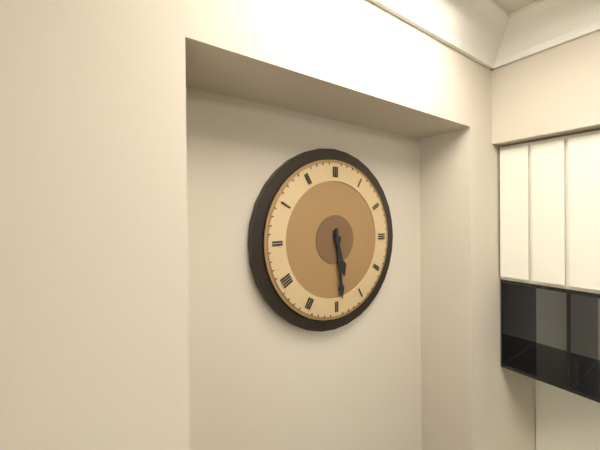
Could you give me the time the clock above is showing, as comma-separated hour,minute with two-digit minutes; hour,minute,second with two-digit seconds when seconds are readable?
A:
5,29
